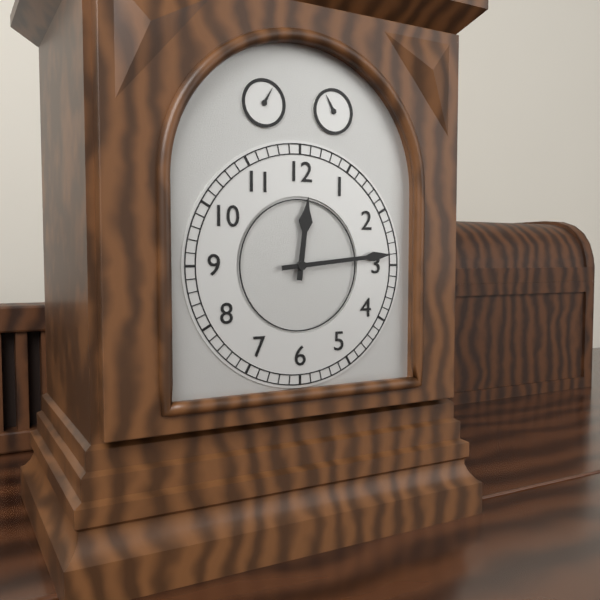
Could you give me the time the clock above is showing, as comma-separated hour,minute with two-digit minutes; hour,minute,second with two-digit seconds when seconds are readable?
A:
12,14
